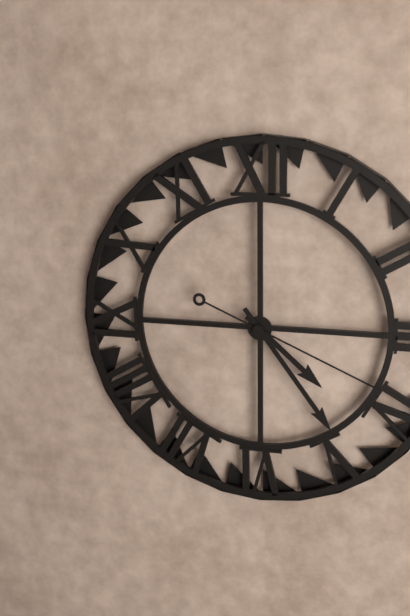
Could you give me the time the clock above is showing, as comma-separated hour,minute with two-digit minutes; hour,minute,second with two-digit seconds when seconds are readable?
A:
4,24,19
